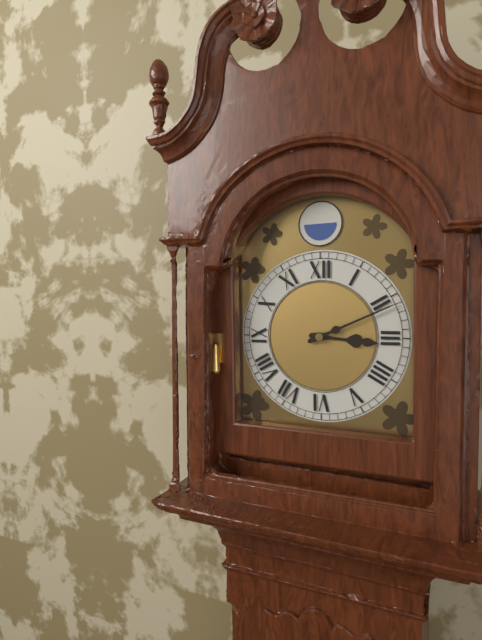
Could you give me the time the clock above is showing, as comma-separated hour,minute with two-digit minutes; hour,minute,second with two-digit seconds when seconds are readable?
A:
3,11
